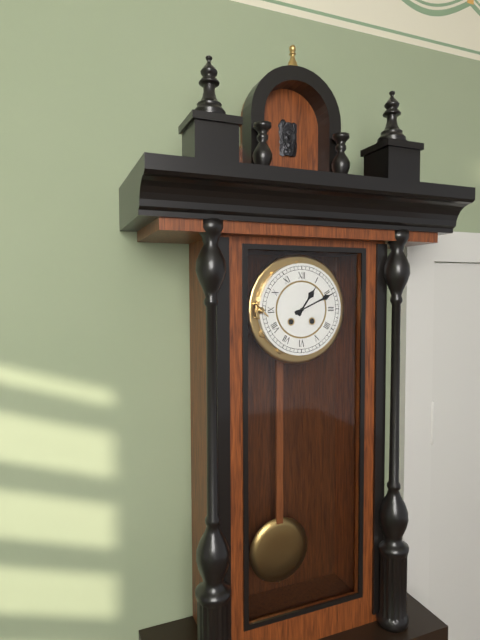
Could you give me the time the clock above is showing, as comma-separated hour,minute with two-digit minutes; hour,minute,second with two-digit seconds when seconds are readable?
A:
1,11
